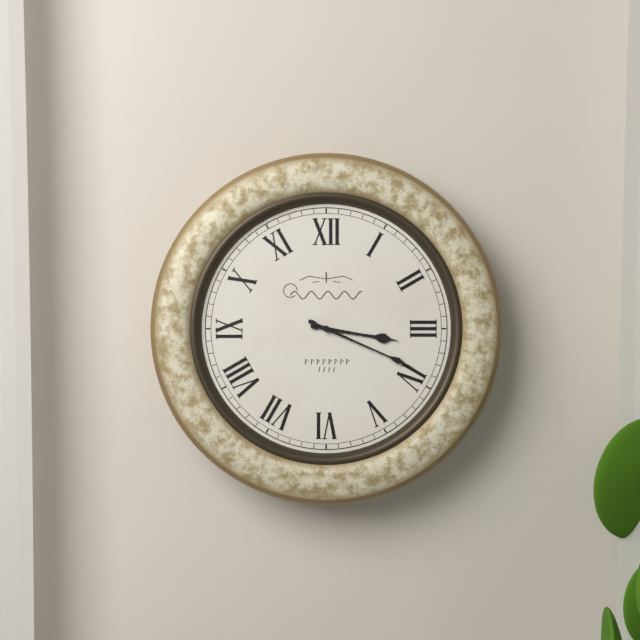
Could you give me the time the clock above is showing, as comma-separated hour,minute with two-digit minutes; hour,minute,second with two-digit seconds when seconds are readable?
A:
3,19
